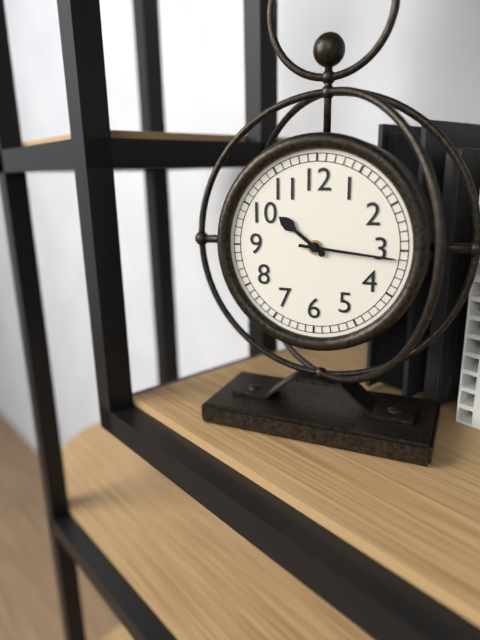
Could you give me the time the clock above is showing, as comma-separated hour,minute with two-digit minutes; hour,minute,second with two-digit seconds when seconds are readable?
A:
10,16
